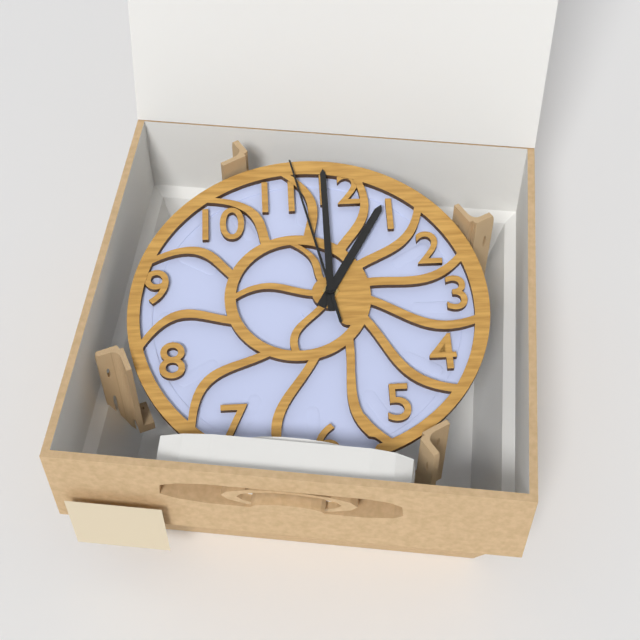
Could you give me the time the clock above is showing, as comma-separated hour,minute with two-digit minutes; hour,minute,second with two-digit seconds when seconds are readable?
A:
1,00,58
